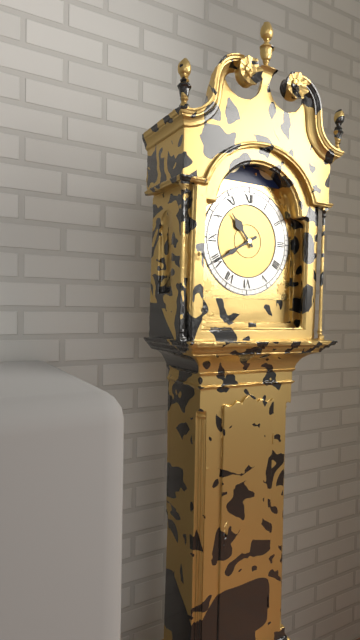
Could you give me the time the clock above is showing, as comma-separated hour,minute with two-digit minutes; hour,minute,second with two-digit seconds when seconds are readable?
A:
10,40
